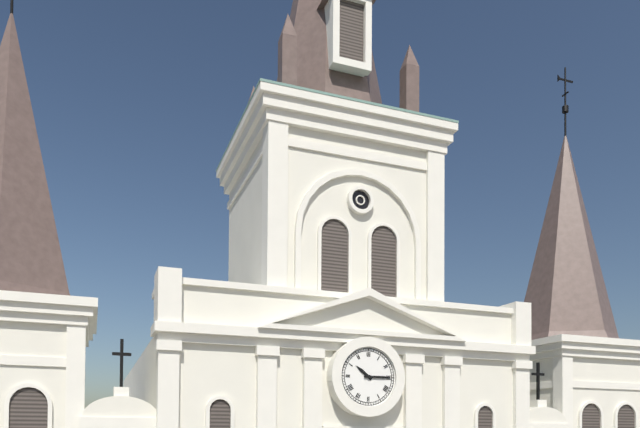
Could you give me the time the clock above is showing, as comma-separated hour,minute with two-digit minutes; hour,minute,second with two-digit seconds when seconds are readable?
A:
10,15
